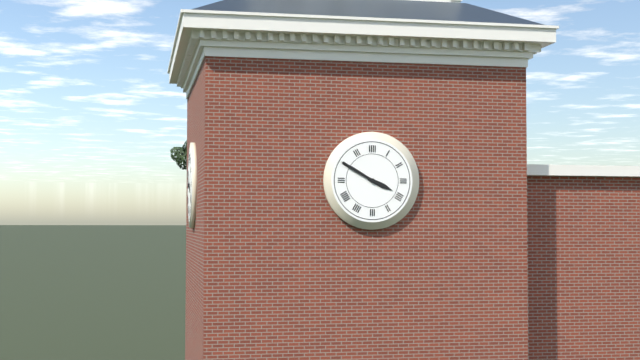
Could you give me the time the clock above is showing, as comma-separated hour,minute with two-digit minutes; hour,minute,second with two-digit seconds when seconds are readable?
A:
3,50
